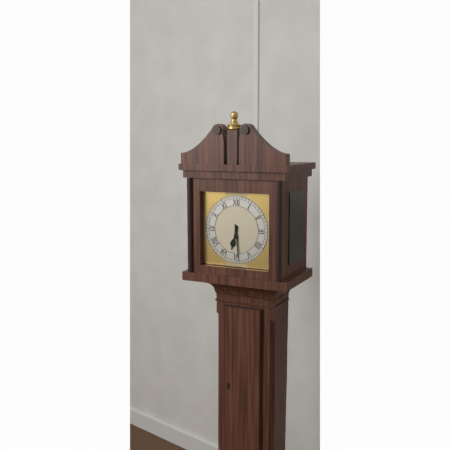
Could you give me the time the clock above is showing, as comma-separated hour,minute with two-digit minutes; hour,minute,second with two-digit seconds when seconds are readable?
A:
6,29
